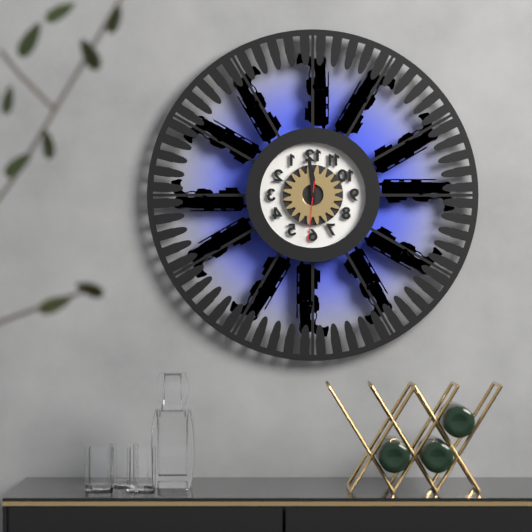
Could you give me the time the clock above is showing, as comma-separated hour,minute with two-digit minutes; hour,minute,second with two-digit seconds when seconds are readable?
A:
11,59,31
